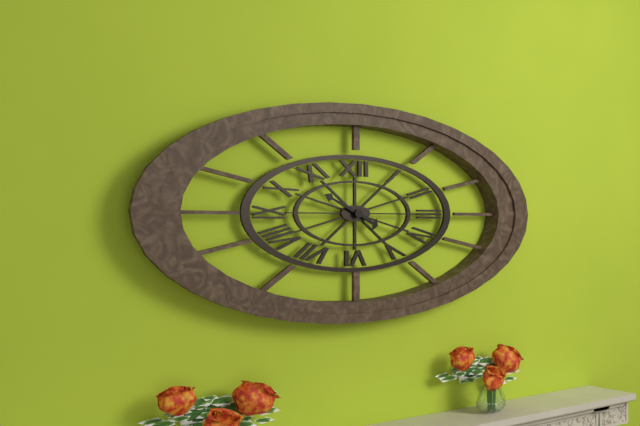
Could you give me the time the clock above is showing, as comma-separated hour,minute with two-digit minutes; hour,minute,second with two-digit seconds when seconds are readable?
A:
3,49
